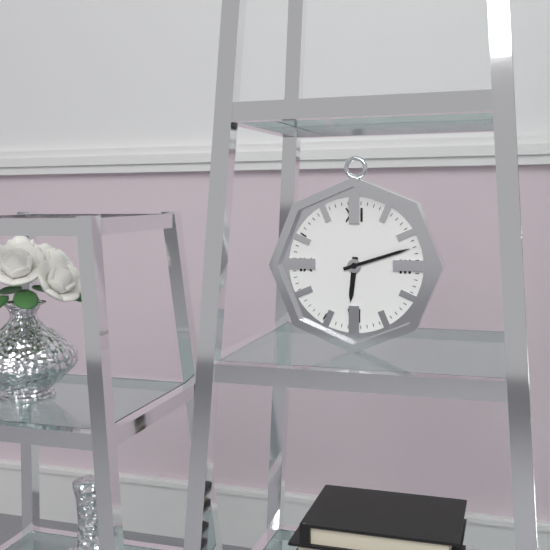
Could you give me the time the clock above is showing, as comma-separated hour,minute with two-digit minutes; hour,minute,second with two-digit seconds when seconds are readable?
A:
6,12
